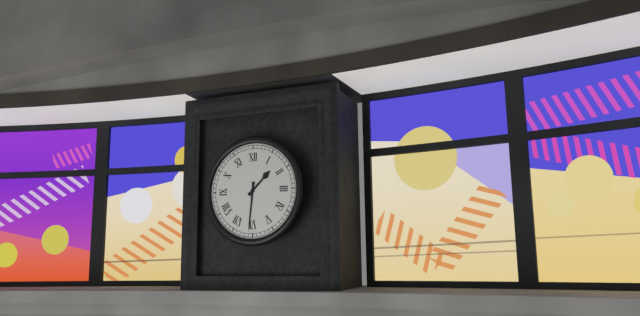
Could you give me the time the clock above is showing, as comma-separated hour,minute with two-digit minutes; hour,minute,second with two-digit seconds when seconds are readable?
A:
1,31
